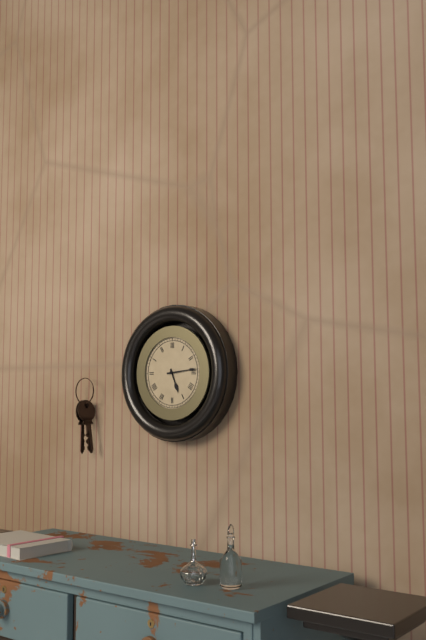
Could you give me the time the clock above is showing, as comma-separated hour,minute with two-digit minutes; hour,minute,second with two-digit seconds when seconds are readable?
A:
5,14
